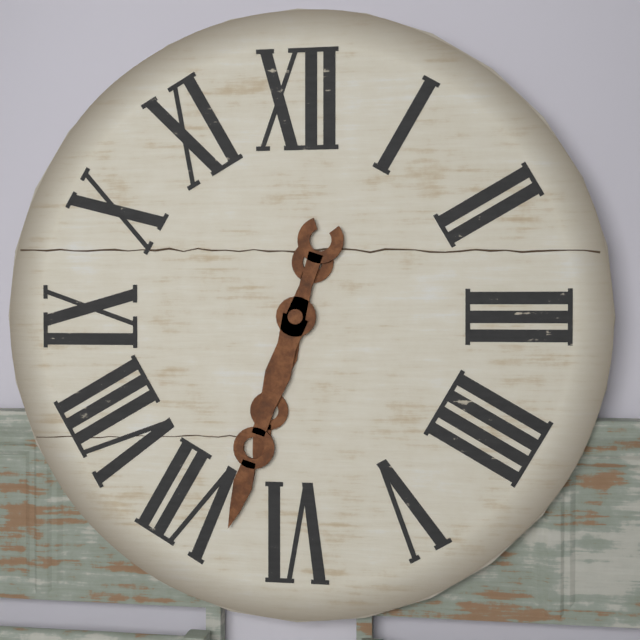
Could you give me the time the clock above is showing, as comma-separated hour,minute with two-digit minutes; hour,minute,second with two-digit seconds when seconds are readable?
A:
6,33
